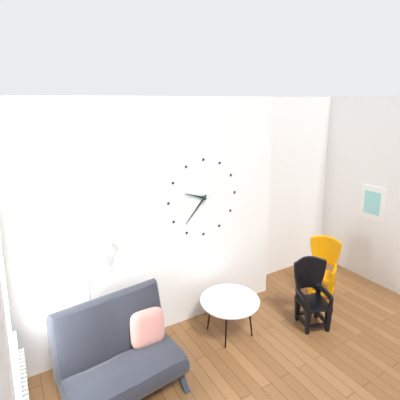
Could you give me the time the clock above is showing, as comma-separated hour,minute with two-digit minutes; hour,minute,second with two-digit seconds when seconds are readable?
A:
9,37
